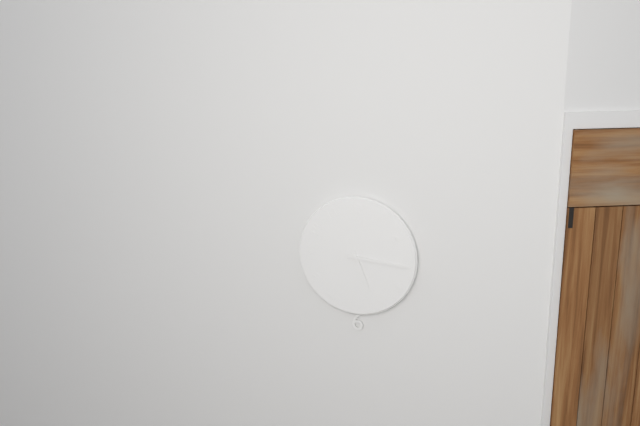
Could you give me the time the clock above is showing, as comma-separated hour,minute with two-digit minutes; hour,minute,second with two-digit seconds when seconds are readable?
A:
5,16
